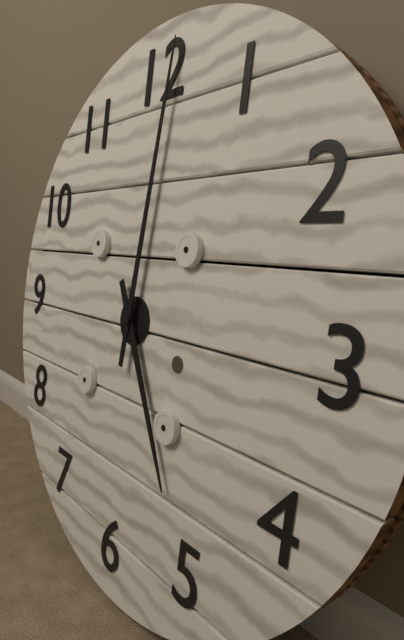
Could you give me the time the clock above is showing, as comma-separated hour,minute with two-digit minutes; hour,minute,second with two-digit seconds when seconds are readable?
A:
5,01
